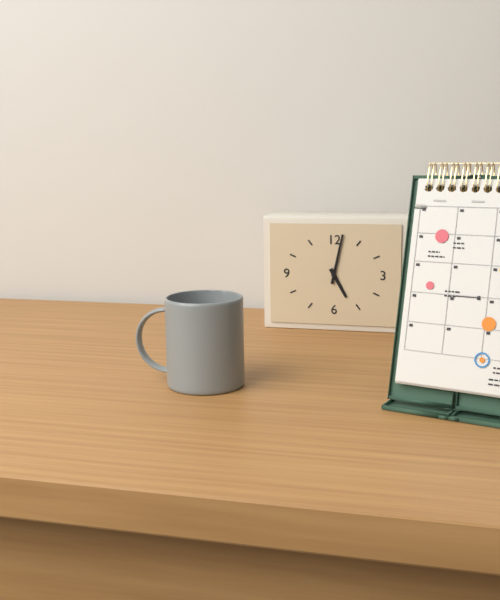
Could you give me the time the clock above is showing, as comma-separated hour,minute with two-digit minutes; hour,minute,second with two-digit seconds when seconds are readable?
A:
5,02
